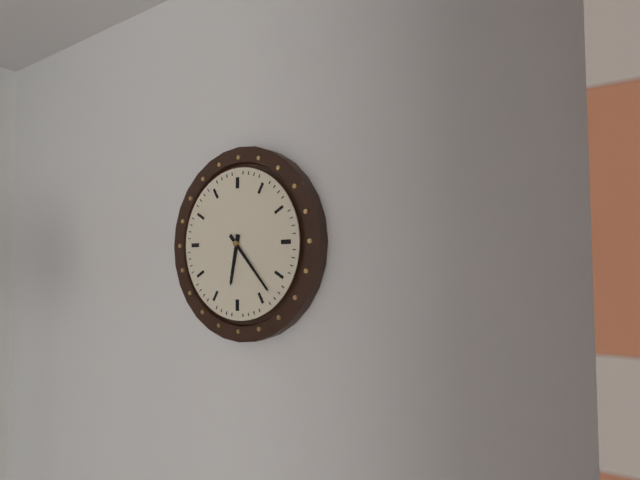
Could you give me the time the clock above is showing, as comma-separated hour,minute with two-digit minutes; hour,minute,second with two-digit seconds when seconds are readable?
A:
6,23
